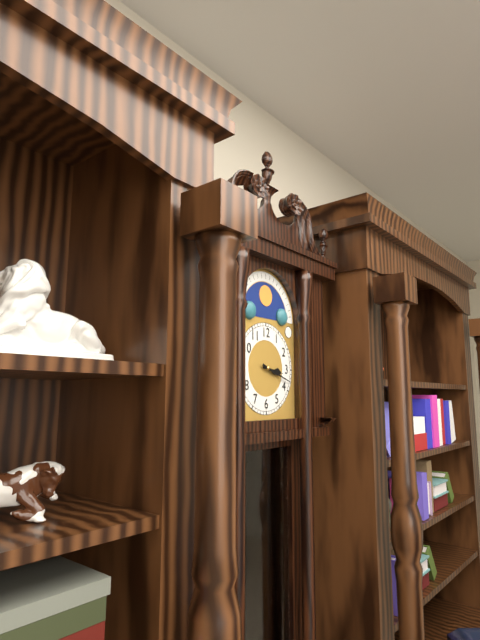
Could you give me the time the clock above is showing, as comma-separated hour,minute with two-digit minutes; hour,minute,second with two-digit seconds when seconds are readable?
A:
3,18
